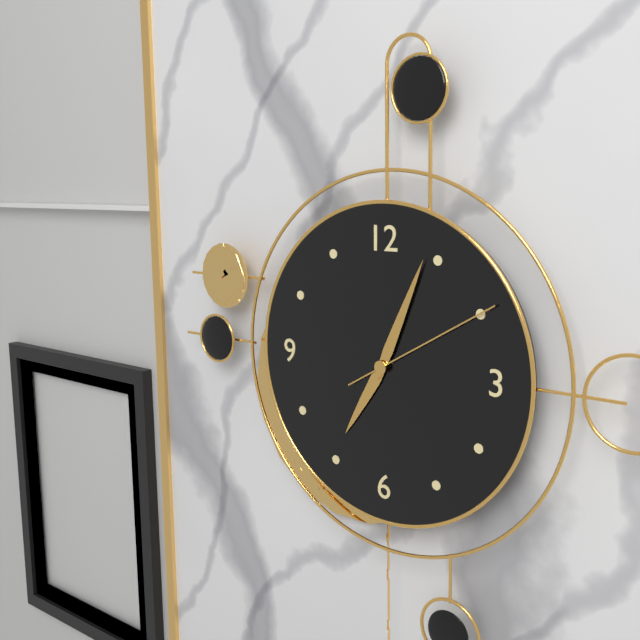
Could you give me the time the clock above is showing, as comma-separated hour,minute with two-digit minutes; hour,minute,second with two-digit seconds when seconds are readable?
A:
7,04,10
